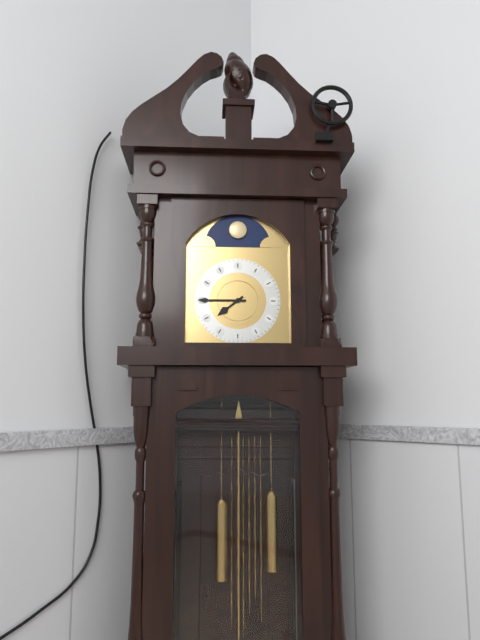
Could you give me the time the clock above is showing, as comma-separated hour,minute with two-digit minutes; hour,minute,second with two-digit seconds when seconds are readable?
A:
7,45
